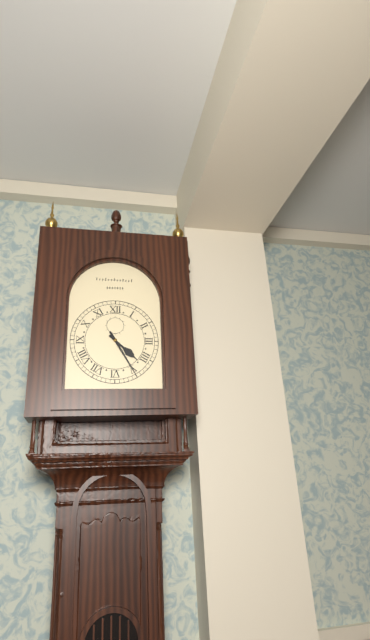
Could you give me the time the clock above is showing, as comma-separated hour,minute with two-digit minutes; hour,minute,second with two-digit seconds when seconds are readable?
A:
4,25
